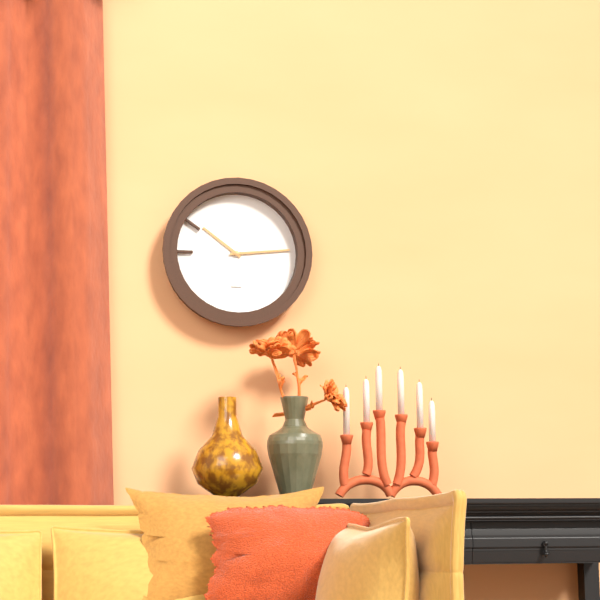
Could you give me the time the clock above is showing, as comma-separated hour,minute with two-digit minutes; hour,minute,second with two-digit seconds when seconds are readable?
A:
10,14
